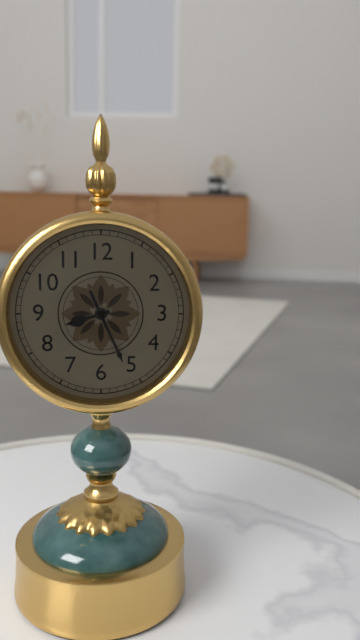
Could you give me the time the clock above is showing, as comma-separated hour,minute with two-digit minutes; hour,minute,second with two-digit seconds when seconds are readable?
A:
8,26
